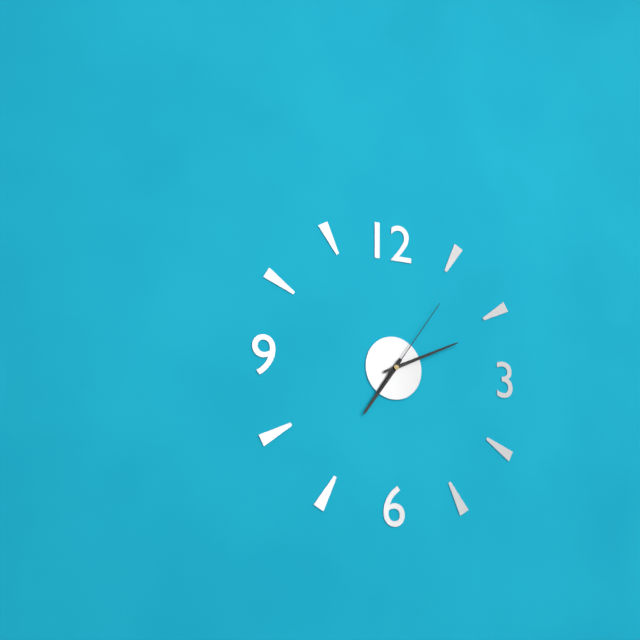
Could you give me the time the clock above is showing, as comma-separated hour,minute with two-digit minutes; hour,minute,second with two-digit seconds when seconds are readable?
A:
7,11,06
